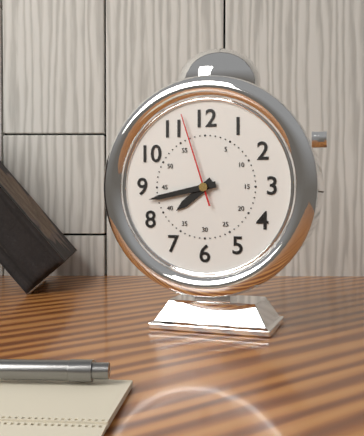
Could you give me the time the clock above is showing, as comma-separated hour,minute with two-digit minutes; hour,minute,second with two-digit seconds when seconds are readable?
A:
7,43,57
